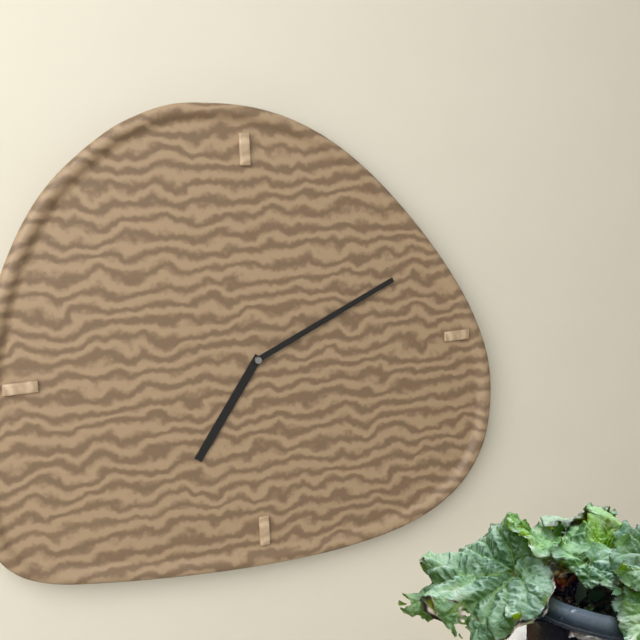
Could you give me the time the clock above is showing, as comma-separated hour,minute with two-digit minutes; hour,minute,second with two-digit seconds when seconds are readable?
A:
7,11
